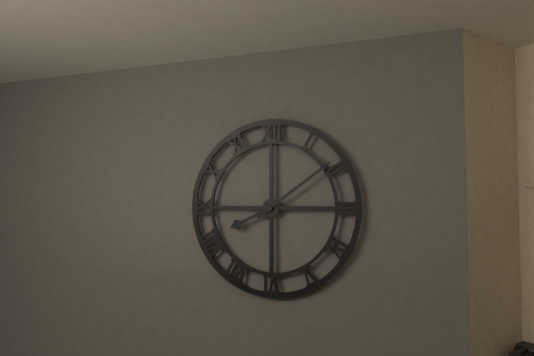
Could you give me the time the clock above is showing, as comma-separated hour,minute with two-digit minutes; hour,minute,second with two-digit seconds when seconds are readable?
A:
8,09
